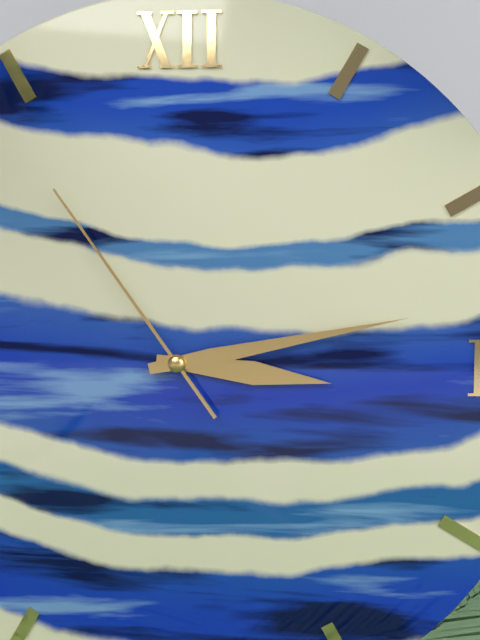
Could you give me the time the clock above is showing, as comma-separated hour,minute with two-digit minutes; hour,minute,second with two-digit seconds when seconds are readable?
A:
3,13,54
